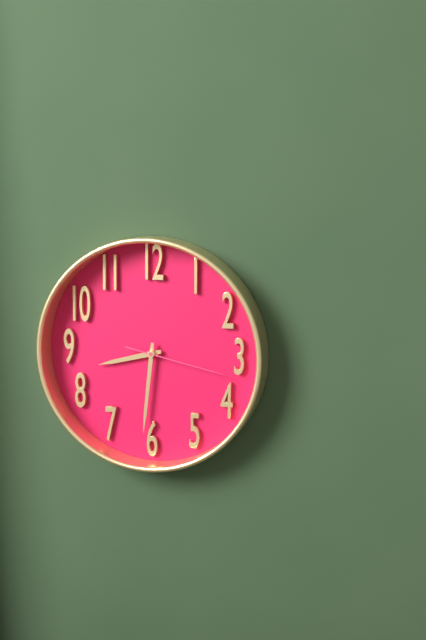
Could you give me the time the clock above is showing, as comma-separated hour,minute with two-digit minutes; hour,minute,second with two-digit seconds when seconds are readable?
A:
8,31,17
